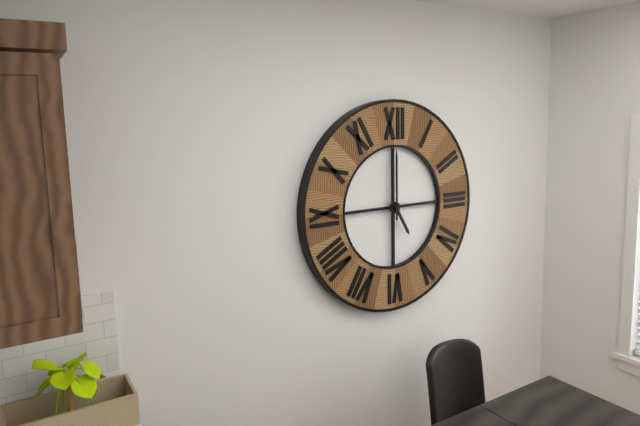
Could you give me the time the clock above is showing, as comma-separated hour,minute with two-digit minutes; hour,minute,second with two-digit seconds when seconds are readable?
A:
5,00
